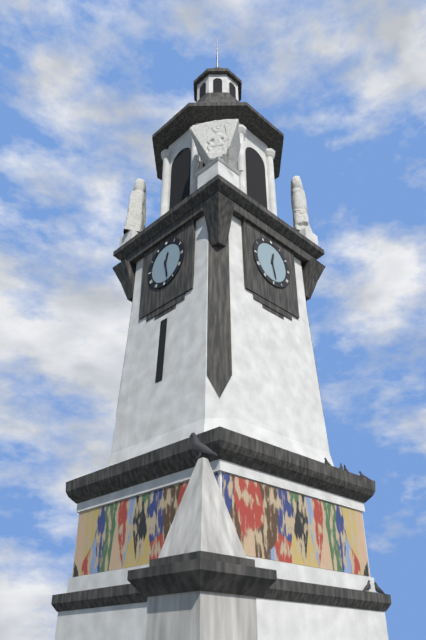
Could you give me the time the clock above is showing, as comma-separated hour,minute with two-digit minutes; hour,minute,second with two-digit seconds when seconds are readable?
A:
12,28
